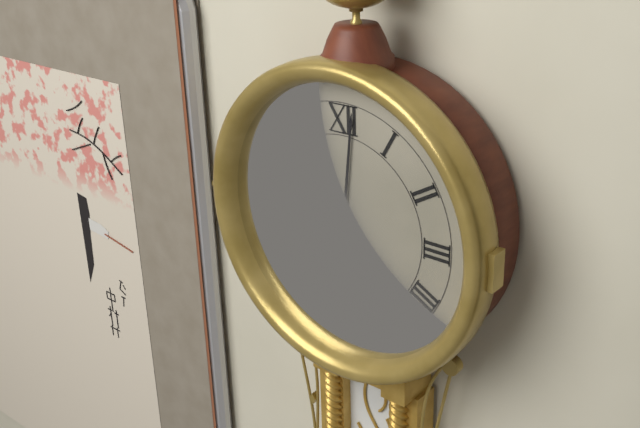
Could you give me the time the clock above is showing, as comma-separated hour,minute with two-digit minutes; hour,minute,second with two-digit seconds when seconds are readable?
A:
5,01
